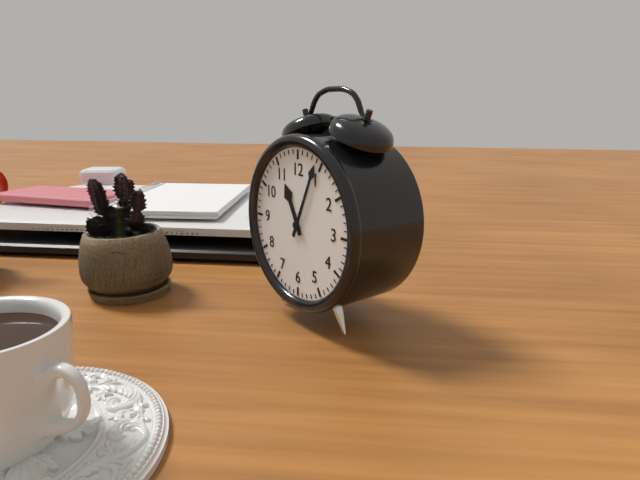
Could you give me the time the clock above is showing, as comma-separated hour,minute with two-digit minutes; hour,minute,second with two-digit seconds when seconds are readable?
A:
11,04
